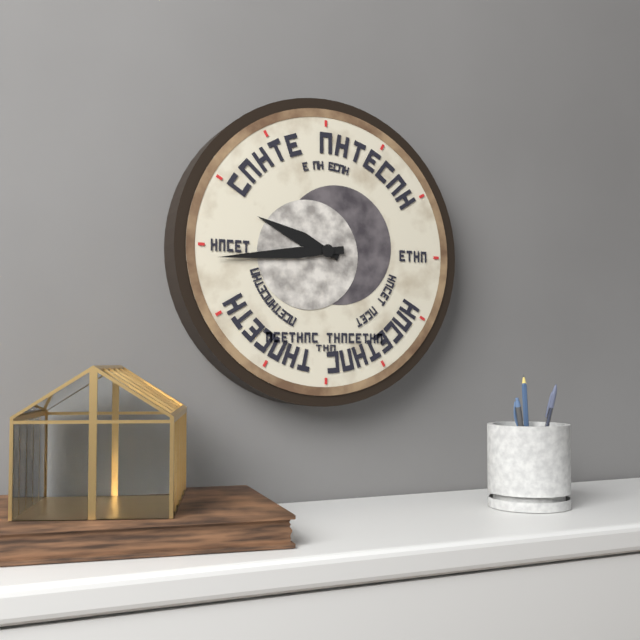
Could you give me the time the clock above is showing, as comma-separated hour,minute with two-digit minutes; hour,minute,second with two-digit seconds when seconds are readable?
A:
9,44
